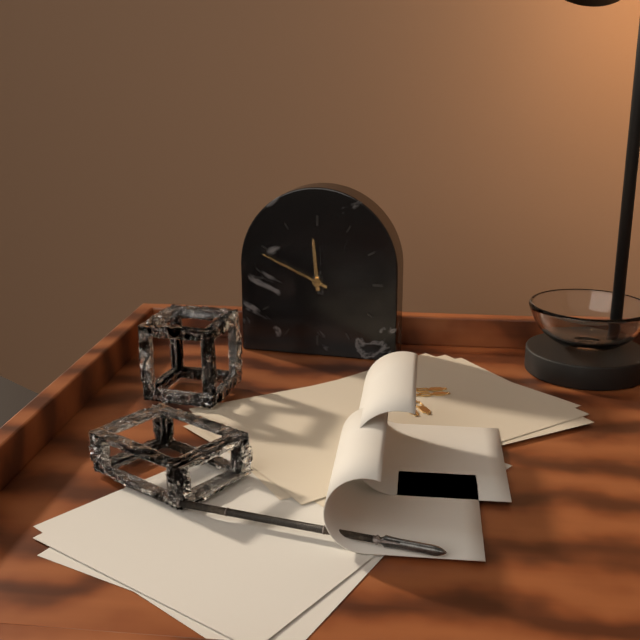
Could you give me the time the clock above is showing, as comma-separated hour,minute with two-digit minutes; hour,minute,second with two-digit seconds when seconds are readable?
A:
11,49
